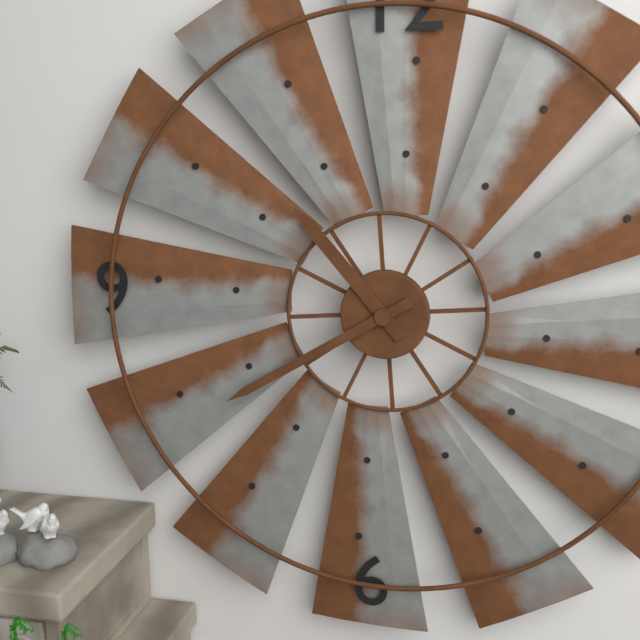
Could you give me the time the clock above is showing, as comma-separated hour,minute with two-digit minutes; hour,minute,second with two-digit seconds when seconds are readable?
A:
10,40
